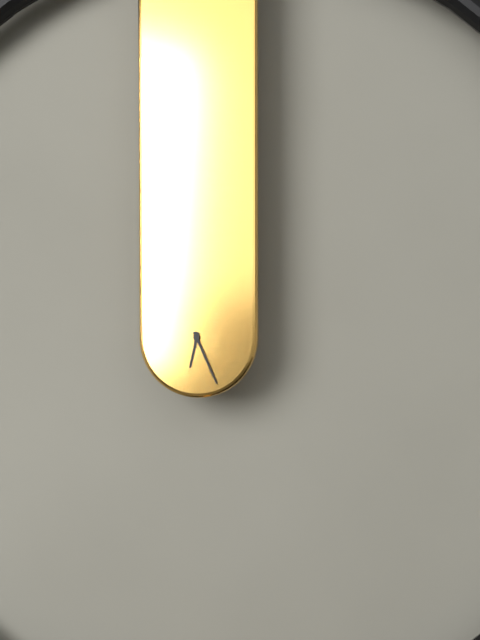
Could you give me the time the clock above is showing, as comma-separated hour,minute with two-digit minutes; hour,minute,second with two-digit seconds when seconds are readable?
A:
6,26
